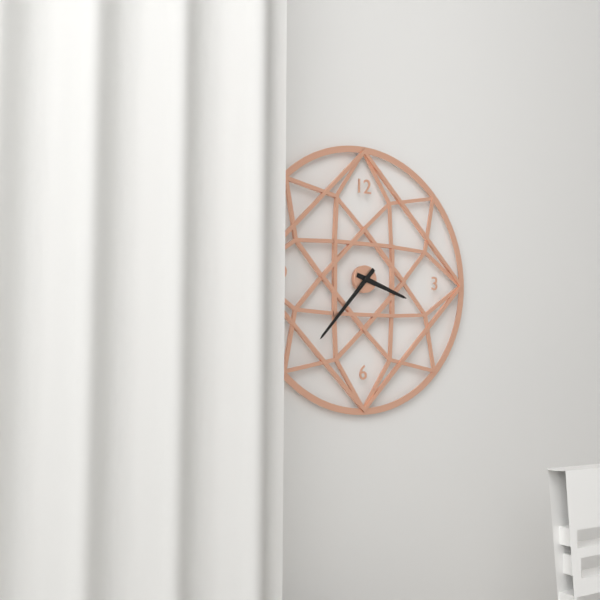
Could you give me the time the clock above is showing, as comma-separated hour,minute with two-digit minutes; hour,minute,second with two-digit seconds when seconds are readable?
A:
3,37
